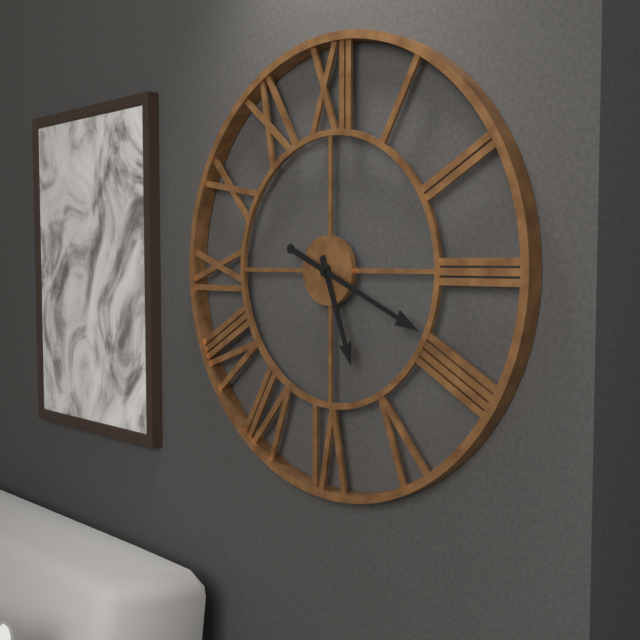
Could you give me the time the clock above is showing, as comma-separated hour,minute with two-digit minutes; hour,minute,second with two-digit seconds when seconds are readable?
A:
5,19
